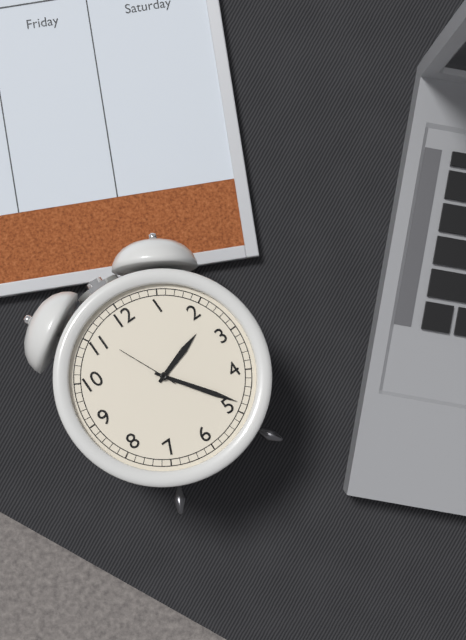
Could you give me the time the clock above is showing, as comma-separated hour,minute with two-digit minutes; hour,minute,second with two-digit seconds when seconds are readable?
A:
2,24,56
